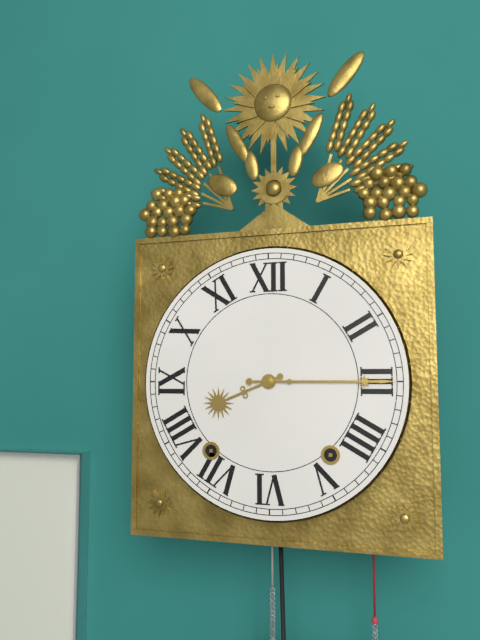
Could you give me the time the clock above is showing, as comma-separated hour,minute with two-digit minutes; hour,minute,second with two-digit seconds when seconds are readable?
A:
8,15
